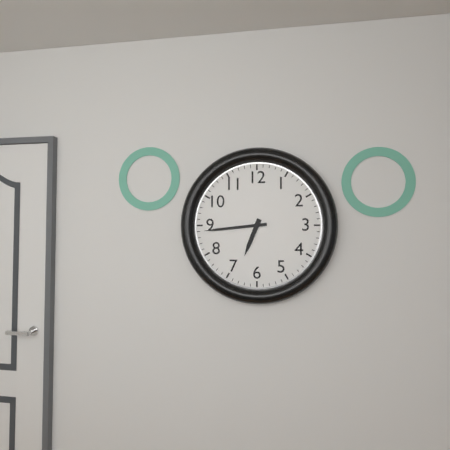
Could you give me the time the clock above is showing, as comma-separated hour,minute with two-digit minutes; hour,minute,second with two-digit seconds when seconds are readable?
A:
6,44
